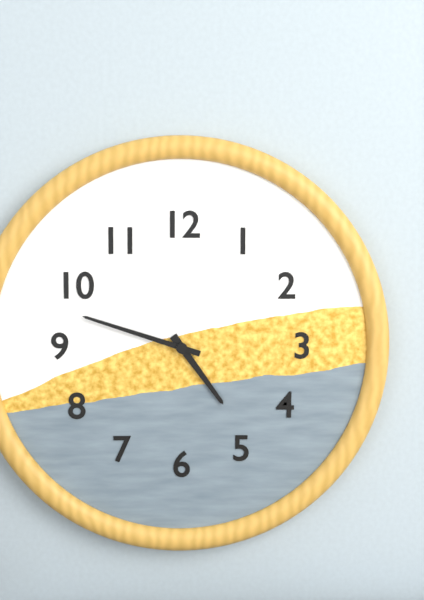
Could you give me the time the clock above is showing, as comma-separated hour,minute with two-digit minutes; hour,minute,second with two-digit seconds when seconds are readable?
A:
4,48
